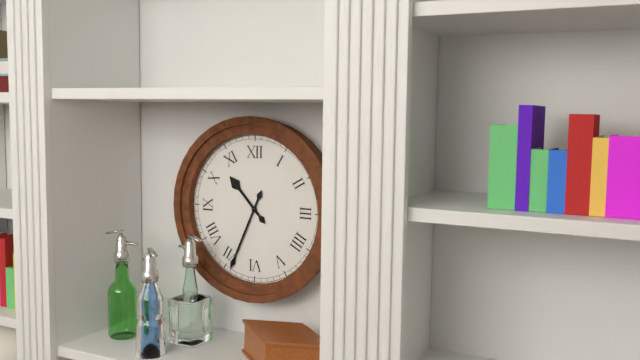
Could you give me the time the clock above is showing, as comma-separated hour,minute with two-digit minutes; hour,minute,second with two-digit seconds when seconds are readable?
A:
10,34
